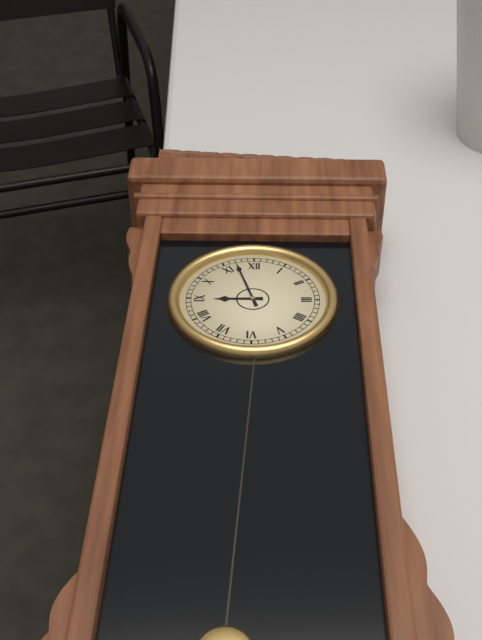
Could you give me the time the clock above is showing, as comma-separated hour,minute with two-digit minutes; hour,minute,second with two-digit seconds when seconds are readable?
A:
8,57
